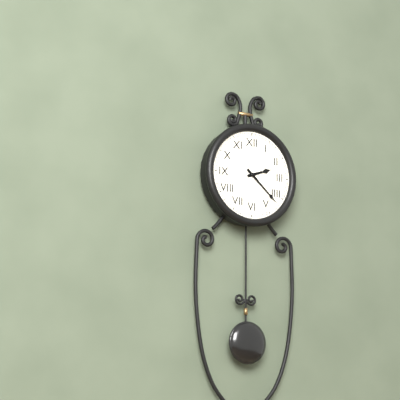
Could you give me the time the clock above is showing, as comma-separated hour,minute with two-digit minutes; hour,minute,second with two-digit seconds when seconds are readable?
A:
2,22
